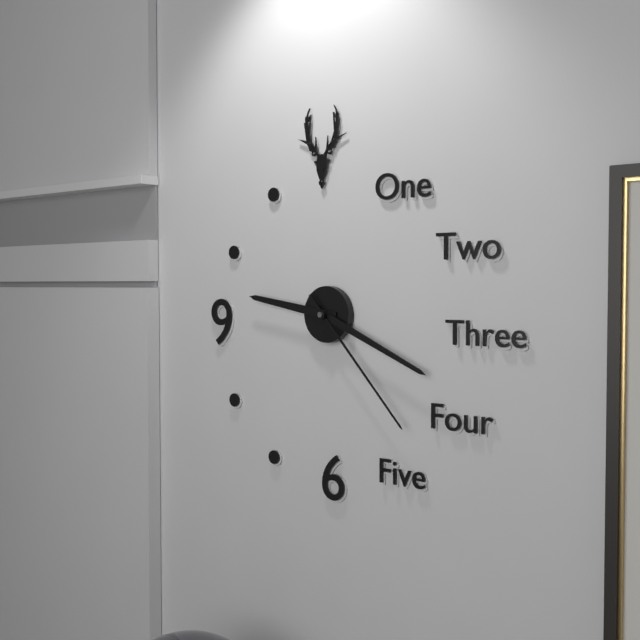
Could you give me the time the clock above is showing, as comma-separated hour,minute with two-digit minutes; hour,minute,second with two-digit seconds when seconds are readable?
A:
9,19,23
